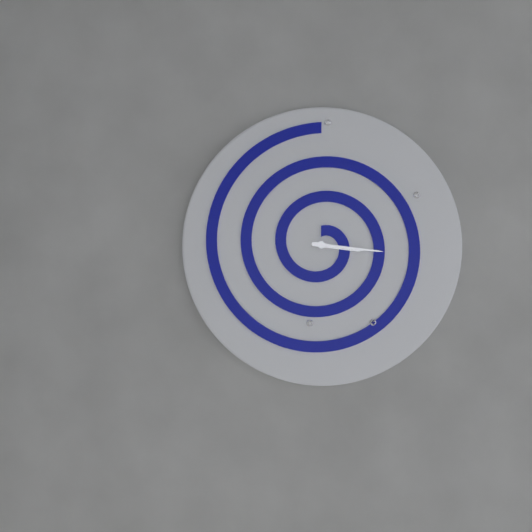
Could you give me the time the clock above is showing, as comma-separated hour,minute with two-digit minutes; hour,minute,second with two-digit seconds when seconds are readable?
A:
3,16
